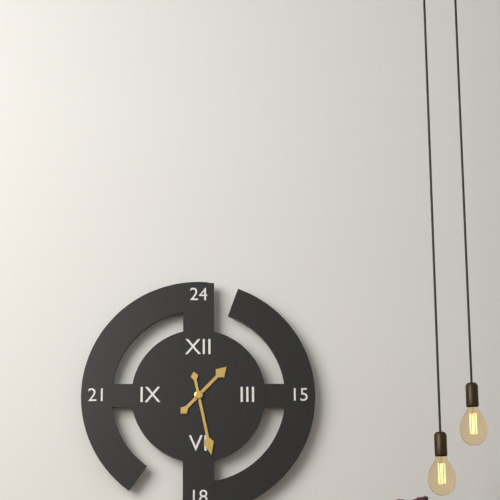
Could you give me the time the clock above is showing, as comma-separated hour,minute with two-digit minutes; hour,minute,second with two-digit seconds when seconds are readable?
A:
1,28
